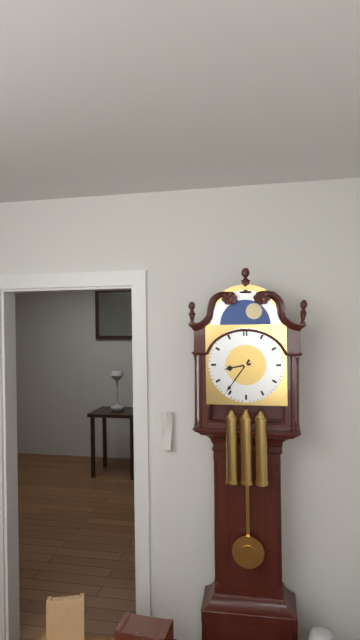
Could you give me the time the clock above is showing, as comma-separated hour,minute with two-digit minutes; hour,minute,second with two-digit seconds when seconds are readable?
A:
8,36
